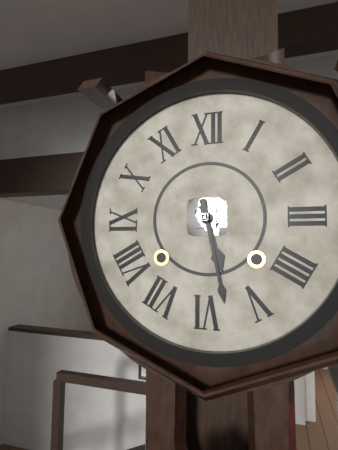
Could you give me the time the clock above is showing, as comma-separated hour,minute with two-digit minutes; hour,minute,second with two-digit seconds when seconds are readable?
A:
5,28
